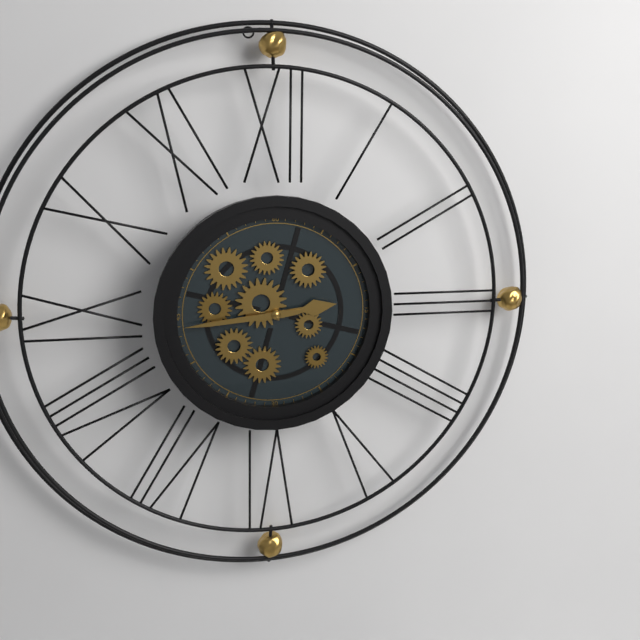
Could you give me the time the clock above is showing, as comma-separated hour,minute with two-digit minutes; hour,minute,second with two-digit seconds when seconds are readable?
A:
2,44
